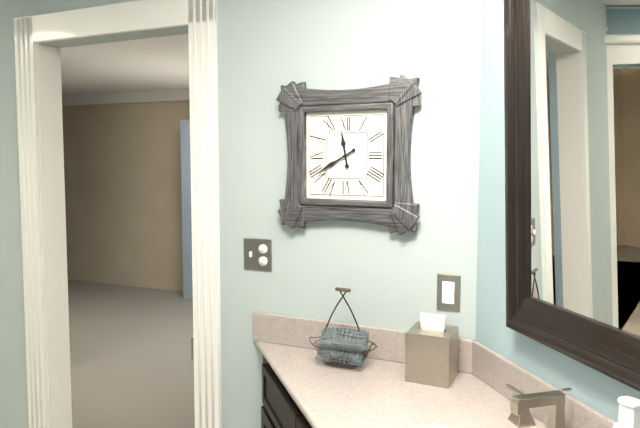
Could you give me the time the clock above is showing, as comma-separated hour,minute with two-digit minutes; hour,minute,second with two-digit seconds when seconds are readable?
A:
11,40
